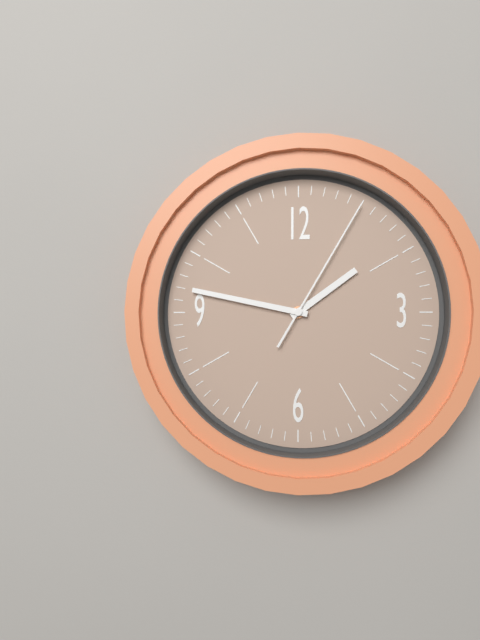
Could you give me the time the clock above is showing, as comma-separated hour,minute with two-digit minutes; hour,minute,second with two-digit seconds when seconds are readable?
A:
1,47,05
